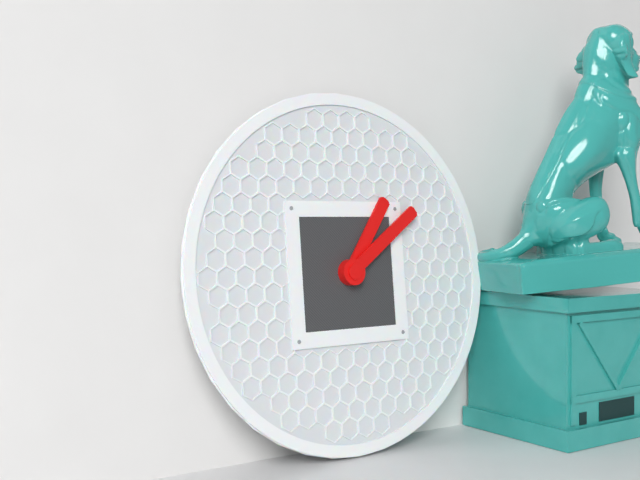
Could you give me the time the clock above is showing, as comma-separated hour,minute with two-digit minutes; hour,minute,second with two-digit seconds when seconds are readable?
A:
1,09
